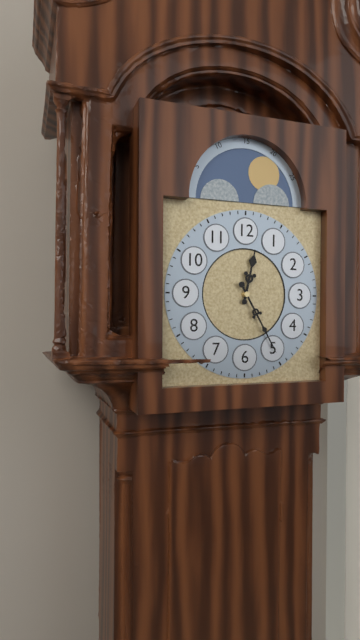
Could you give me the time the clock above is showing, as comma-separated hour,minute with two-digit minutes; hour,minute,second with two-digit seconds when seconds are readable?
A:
12,25
